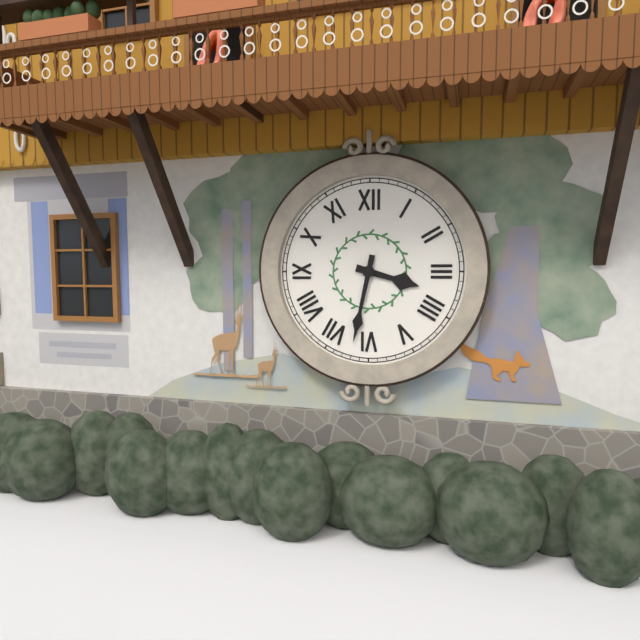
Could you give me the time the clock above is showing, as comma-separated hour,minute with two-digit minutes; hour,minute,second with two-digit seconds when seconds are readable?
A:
3,32
